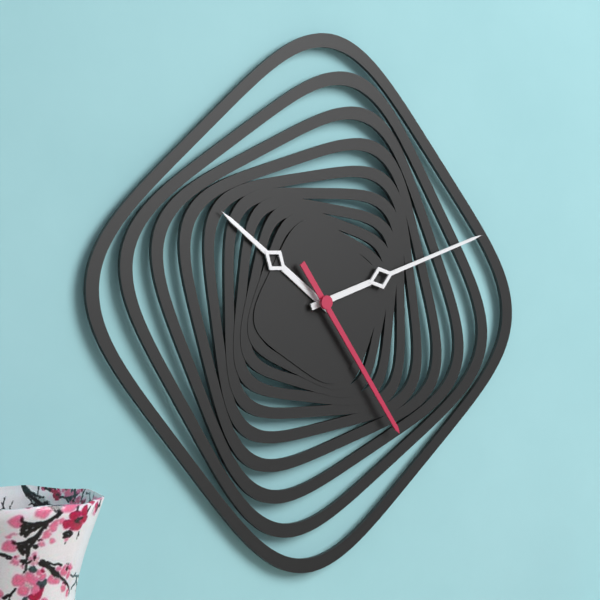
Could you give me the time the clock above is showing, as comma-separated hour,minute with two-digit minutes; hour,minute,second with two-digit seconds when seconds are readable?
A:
10,12,24
